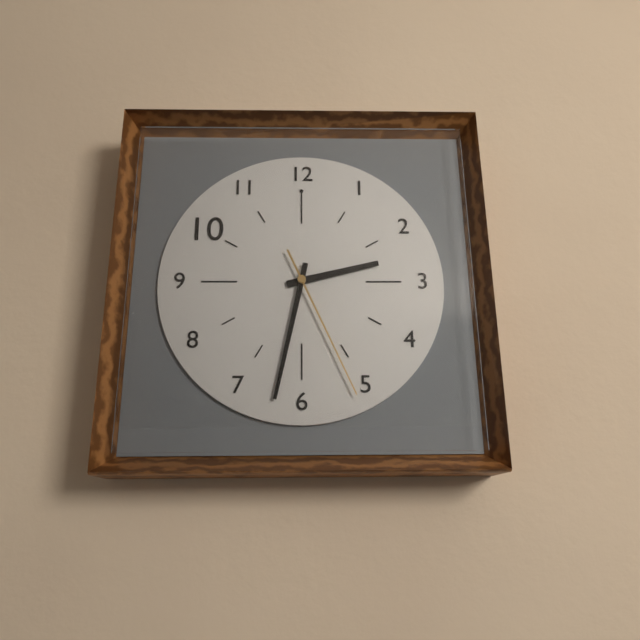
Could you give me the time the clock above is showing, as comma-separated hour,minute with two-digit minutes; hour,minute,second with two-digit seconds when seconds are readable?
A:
2,32,26
